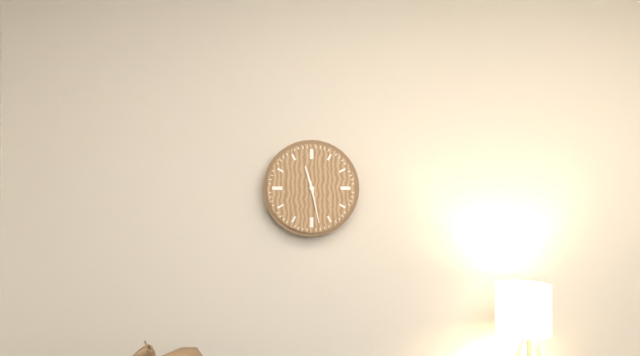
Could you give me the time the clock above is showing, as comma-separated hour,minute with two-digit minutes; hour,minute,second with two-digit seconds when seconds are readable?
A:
11,28
